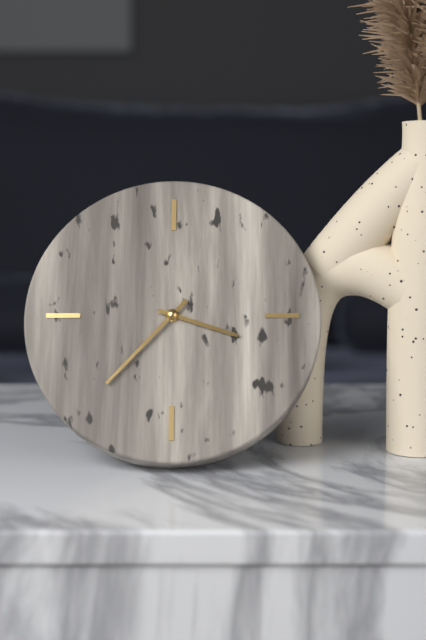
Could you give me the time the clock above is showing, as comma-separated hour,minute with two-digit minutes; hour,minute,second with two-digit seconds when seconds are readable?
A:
3,37
